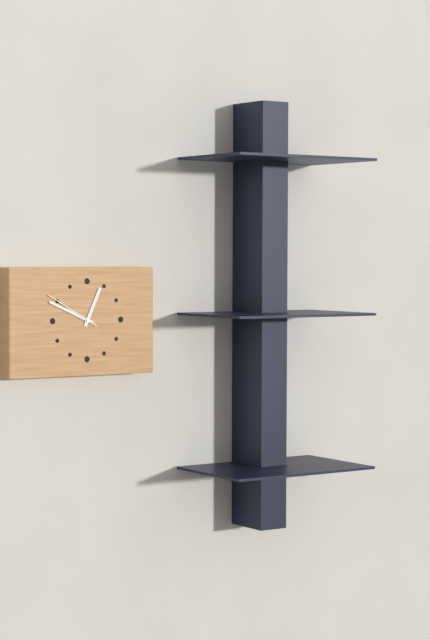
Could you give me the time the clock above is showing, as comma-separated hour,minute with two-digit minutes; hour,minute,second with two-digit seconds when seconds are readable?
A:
12,49,50
